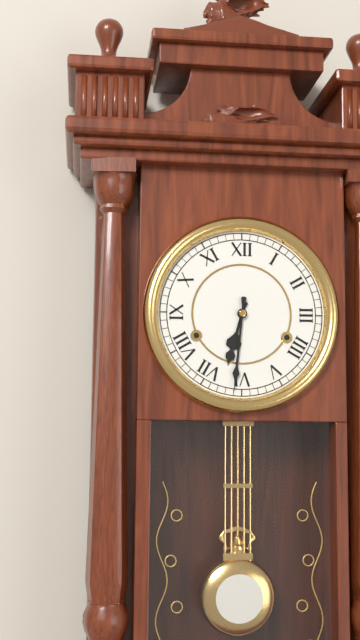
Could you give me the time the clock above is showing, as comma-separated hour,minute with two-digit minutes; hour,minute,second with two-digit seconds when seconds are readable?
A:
6,31
